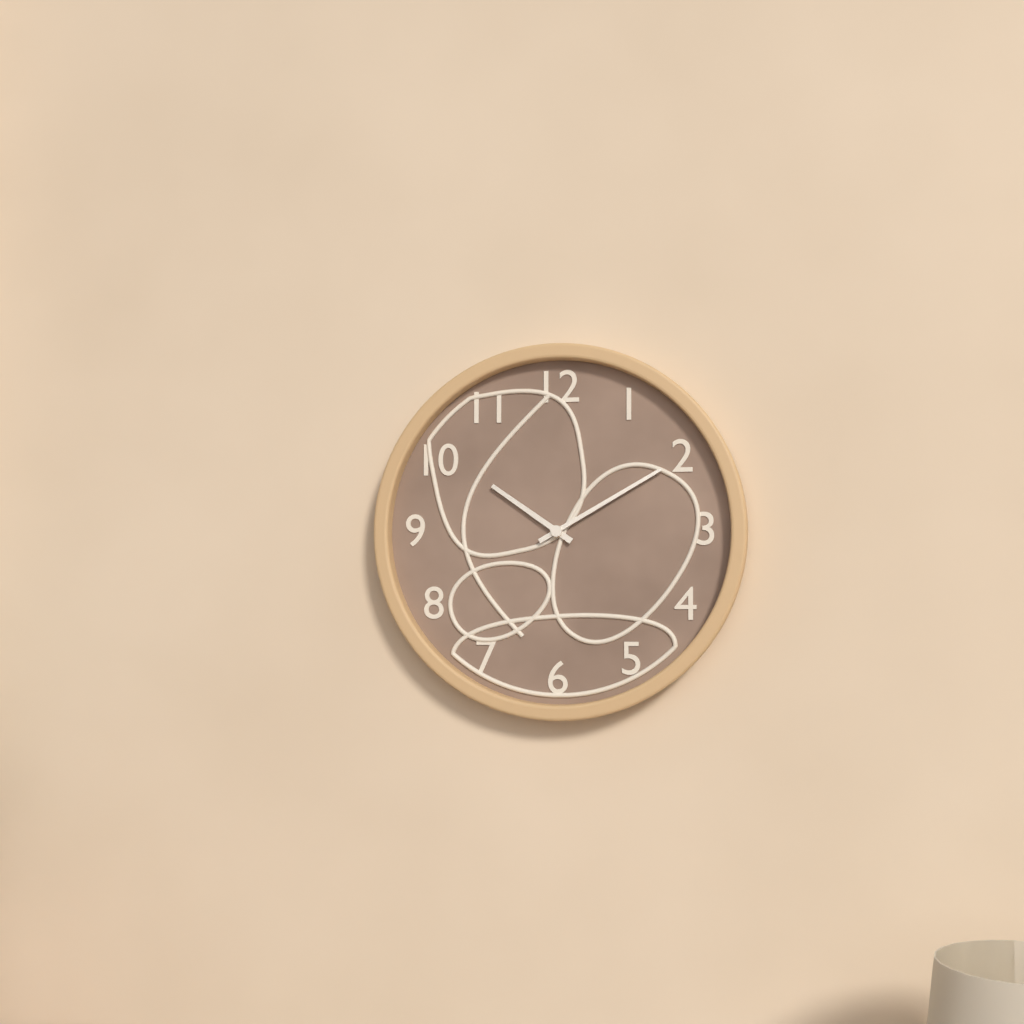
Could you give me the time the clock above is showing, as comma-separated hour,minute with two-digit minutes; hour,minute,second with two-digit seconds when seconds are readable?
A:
10,10
